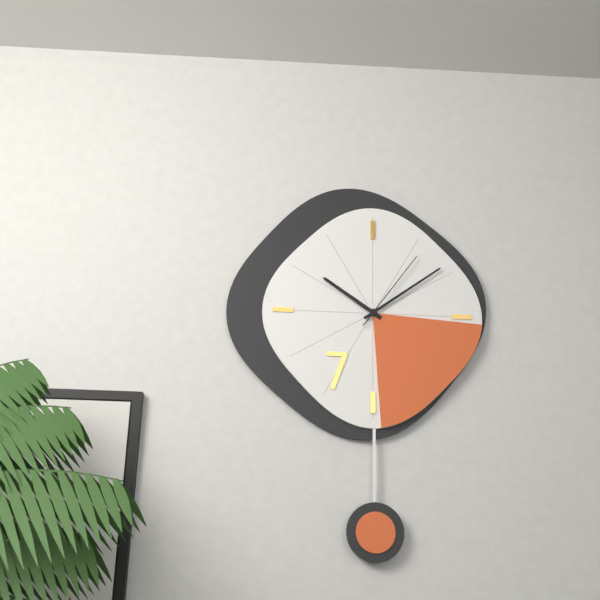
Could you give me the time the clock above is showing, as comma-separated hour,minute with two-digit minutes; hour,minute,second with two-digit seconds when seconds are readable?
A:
10,09,06
